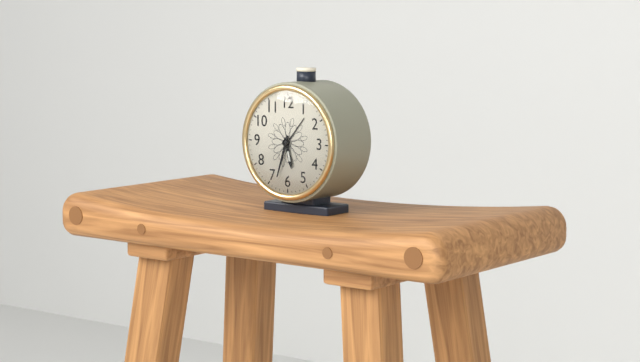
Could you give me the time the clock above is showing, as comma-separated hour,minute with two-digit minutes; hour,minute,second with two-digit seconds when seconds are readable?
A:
5,33
